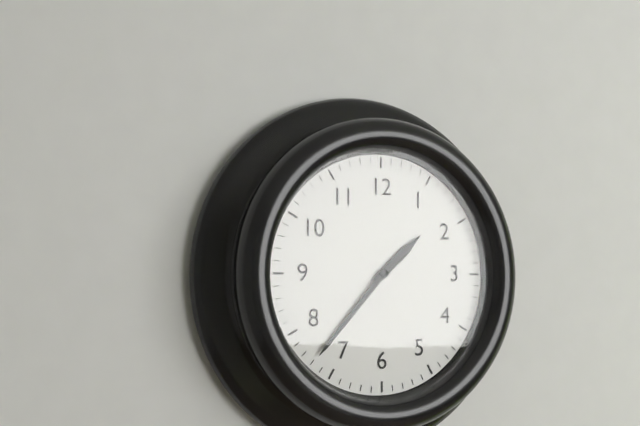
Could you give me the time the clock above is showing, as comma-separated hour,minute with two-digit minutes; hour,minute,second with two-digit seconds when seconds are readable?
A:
1,37
